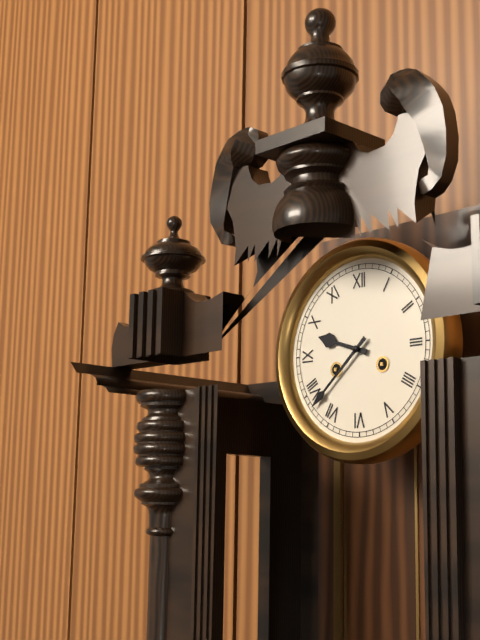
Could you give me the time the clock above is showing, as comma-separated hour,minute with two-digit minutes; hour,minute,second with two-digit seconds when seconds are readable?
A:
9,38
